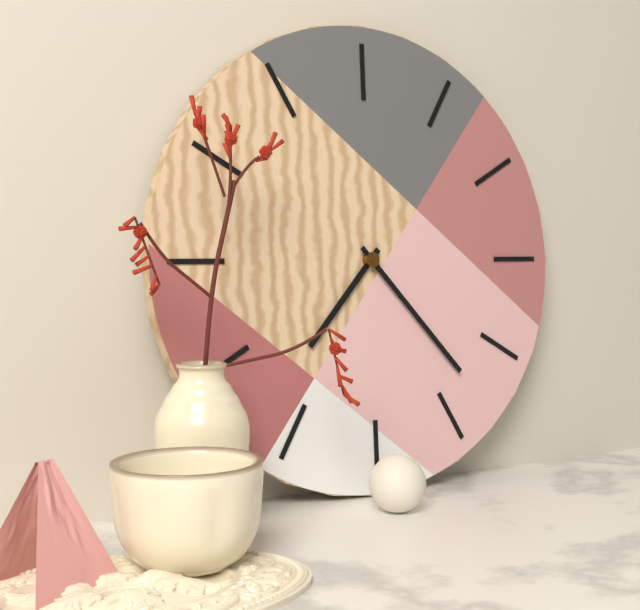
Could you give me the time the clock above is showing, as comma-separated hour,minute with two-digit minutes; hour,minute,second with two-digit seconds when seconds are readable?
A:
7,23
